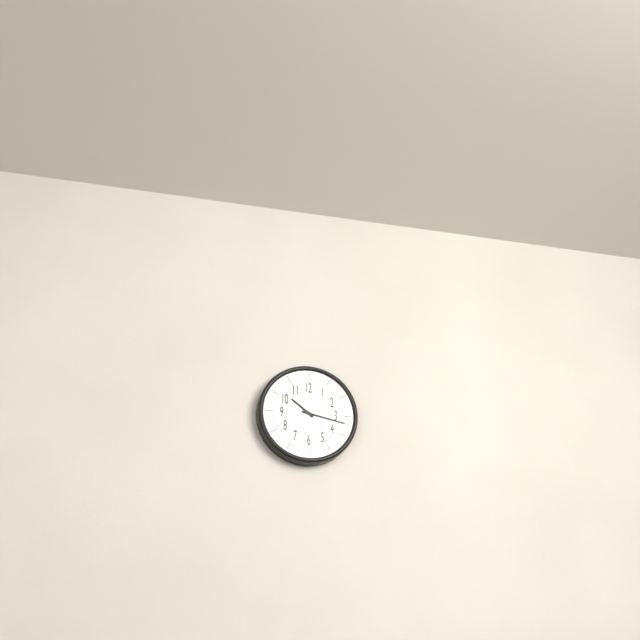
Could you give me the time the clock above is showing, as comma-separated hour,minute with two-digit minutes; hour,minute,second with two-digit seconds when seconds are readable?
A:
10,17
